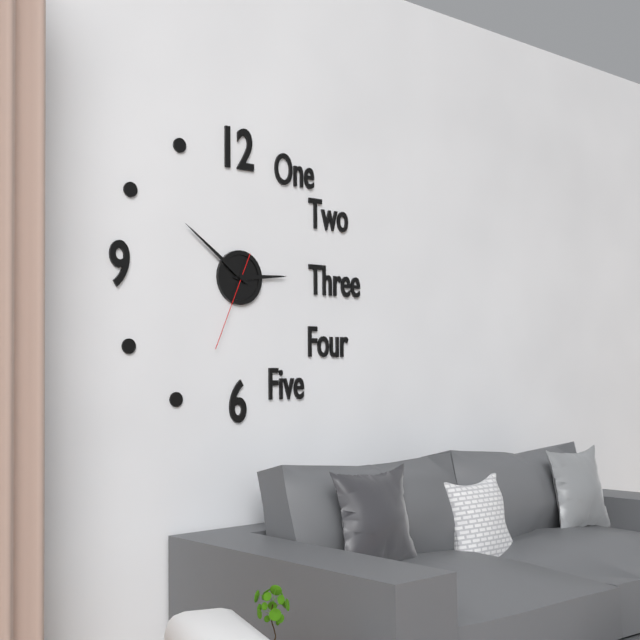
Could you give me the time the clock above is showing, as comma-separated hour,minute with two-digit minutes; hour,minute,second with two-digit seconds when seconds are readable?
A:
2,51,34
